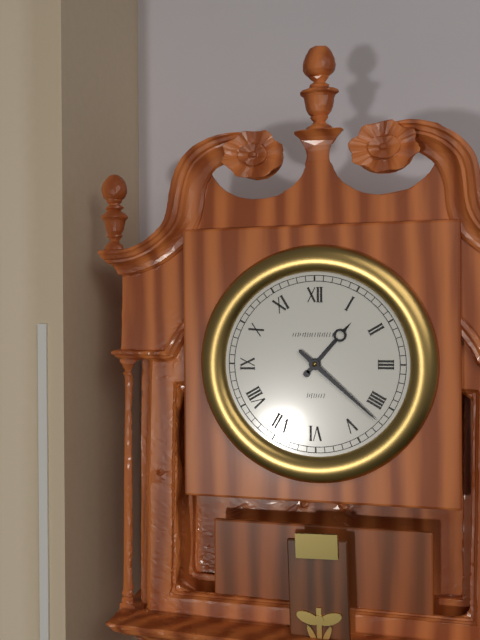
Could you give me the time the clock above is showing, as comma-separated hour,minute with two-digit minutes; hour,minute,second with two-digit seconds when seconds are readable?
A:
1,22
